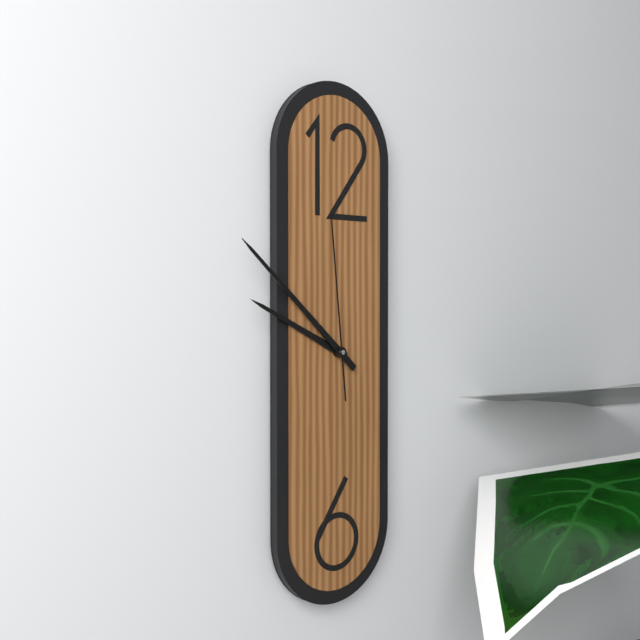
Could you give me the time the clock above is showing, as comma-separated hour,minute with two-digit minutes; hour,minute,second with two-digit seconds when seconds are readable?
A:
9,52,59
